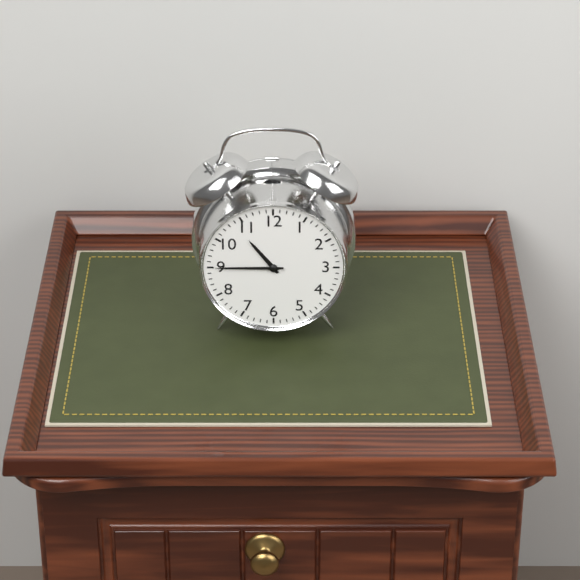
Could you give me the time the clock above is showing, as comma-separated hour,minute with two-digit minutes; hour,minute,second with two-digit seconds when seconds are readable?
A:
10,45
